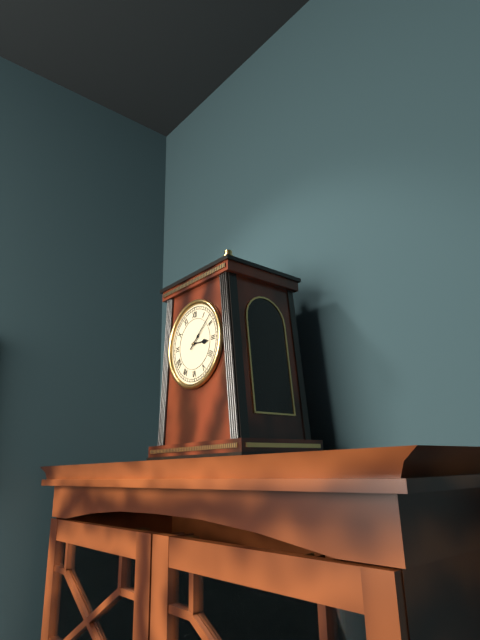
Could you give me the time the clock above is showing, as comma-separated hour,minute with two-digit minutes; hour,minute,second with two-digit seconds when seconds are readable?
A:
3,08
